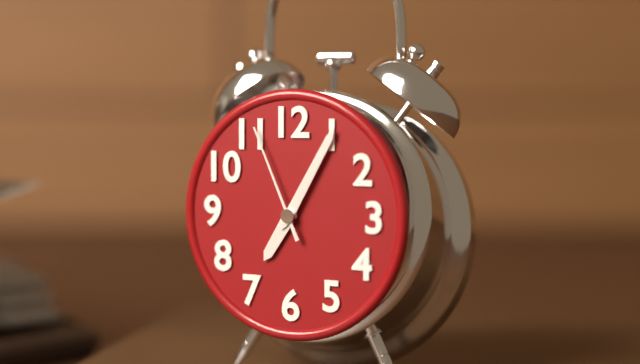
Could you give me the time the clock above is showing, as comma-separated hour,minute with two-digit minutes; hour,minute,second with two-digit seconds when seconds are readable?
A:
7,05,56
